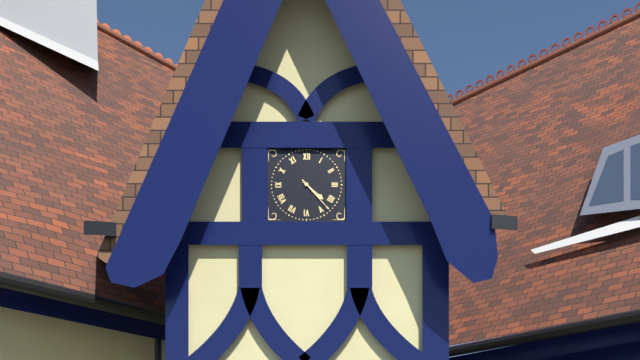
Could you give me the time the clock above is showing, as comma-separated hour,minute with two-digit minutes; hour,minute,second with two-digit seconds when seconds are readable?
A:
4,23
